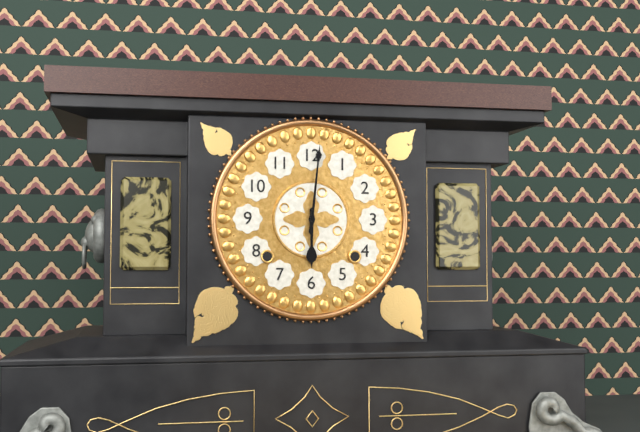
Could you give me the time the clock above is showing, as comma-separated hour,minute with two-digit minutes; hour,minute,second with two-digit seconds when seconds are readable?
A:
6,01
